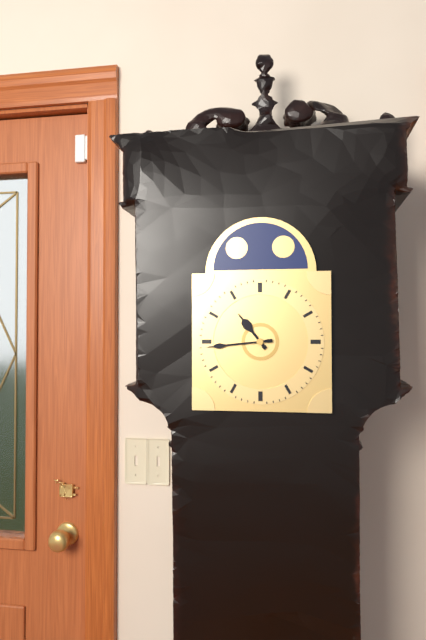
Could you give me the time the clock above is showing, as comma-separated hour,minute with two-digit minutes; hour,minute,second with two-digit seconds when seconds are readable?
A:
10,44
